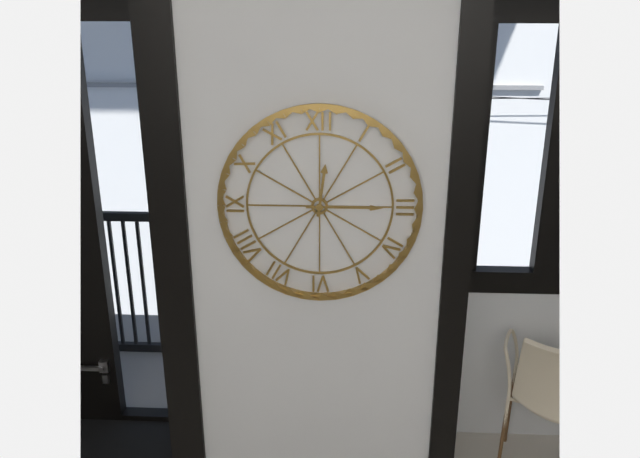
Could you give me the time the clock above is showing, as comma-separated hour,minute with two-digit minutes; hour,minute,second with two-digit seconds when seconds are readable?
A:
12,15
